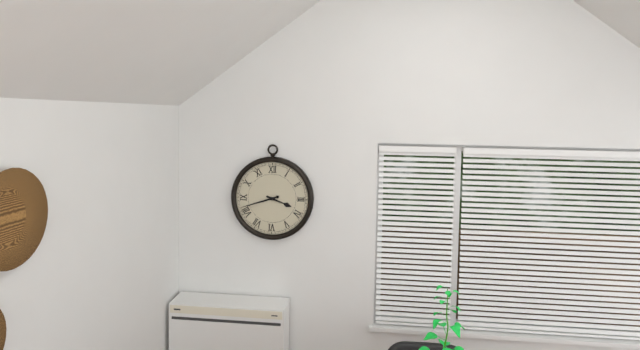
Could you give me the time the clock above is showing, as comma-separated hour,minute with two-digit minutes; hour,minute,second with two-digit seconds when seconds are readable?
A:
3,42
